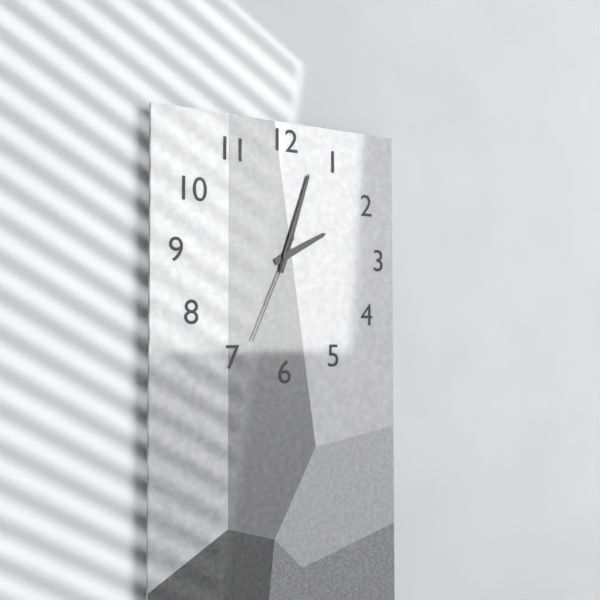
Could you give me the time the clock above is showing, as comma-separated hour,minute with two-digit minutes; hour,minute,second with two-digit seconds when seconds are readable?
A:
2,03,34
